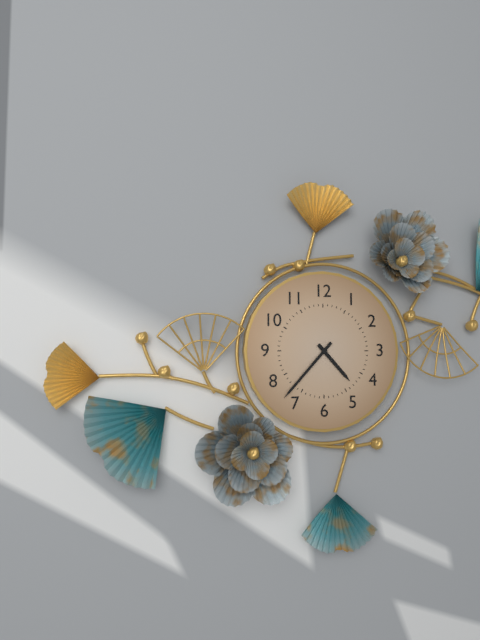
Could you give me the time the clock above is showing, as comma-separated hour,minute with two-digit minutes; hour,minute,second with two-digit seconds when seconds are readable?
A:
4,37
